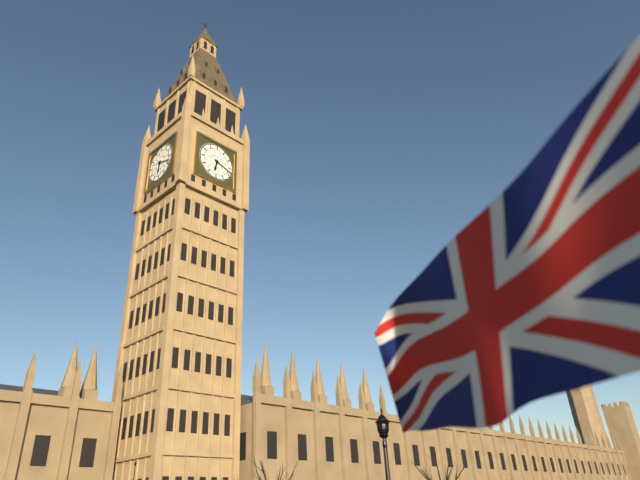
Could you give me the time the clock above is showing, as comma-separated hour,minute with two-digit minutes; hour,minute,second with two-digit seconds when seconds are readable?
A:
6,18
